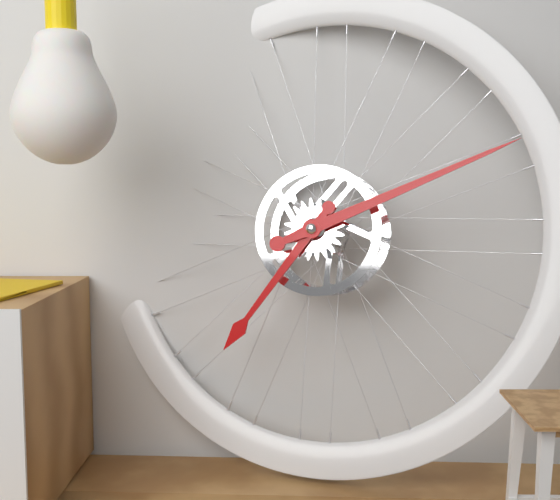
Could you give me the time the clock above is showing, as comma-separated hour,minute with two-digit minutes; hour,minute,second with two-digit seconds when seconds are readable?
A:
7,11
